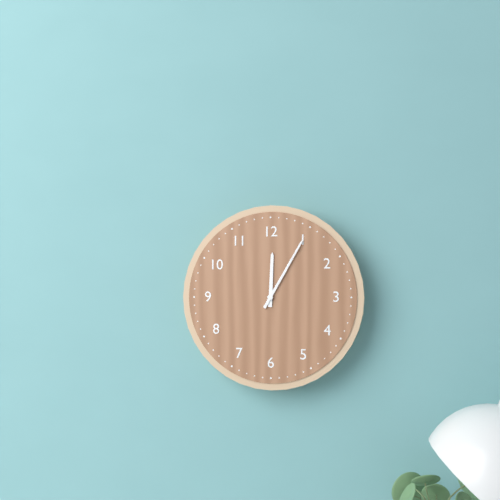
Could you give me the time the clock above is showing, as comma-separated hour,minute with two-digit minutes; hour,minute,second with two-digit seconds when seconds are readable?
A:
12,05
